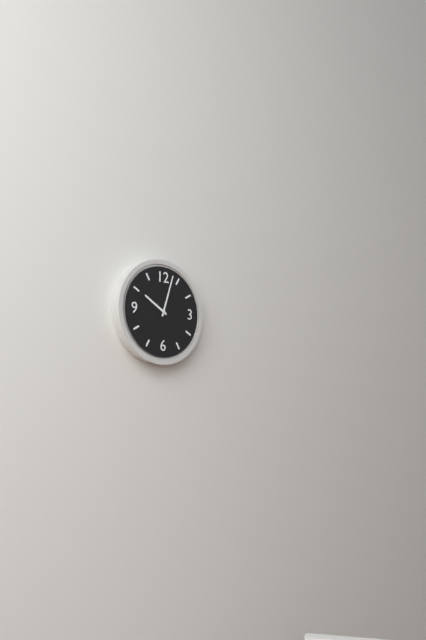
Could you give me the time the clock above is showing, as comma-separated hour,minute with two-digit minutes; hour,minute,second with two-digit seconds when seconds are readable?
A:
10,03
